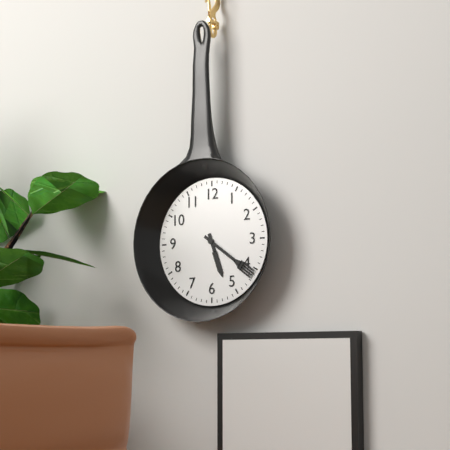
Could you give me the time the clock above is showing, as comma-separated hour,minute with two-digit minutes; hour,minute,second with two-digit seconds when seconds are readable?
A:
5,21
